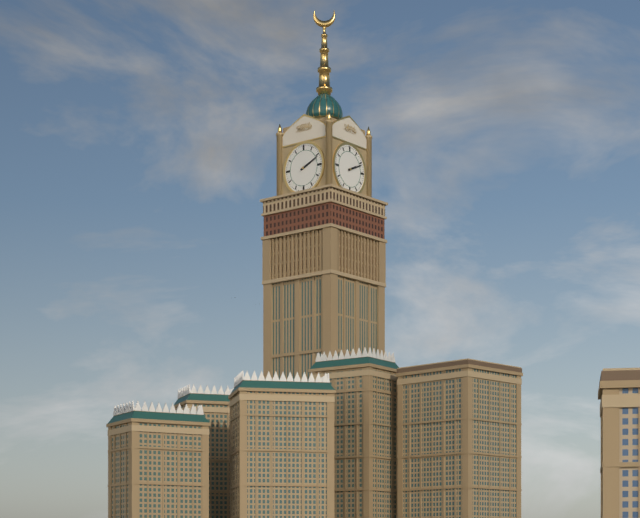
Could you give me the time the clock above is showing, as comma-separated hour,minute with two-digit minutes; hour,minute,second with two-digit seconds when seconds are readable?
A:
2,11
